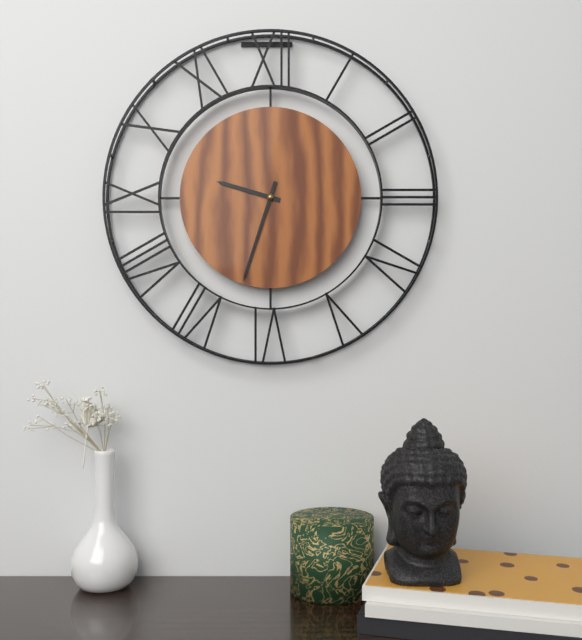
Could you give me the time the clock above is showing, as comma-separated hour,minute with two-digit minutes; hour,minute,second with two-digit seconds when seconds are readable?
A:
9,33
